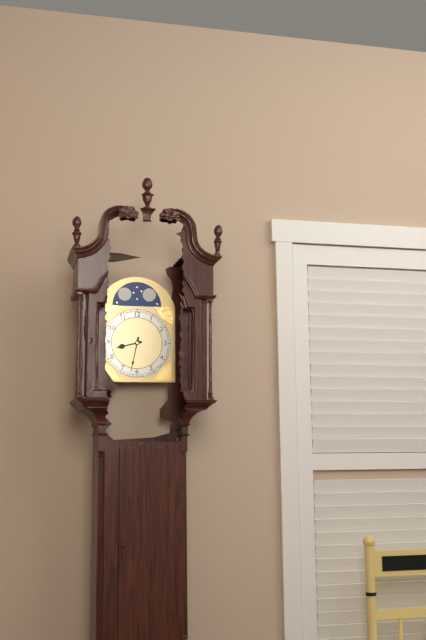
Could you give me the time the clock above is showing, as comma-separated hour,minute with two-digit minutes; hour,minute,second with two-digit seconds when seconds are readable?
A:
8,32
